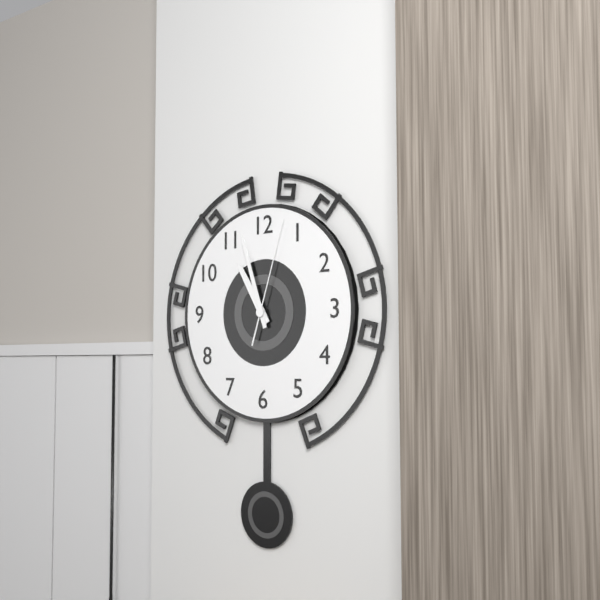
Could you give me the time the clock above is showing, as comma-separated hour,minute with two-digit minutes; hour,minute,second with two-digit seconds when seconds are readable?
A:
10,57,03
